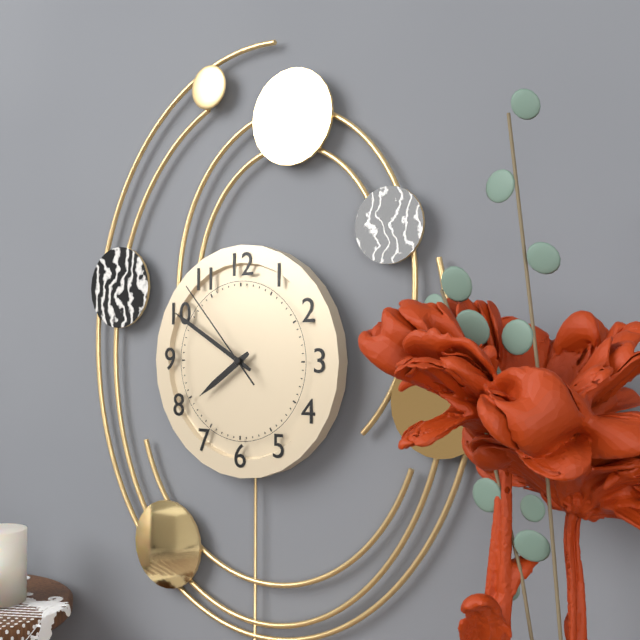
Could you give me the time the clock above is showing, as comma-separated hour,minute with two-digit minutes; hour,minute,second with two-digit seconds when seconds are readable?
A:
7,50,53
